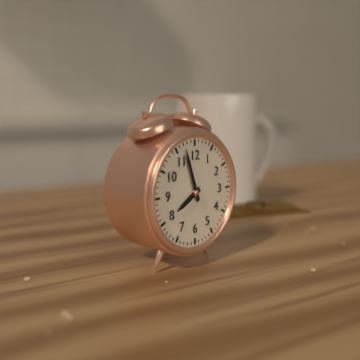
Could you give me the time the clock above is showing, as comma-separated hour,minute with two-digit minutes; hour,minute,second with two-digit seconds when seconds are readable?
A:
7,57
